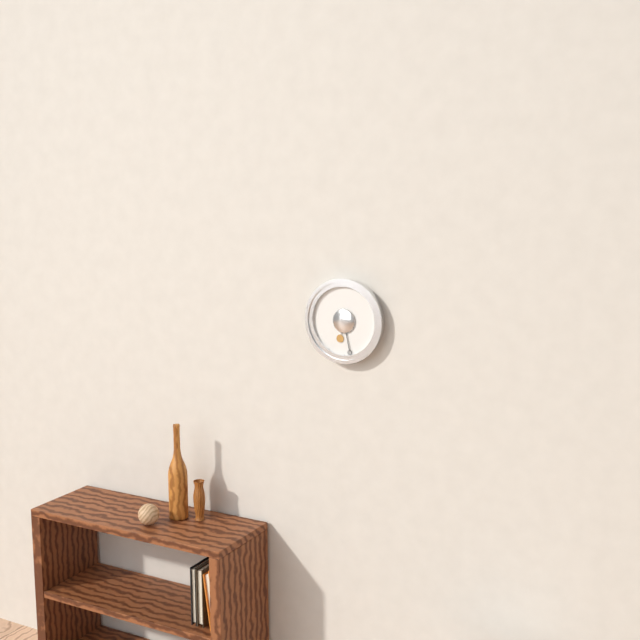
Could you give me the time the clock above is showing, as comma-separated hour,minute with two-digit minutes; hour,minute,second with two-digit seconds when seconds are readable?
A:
6,28
